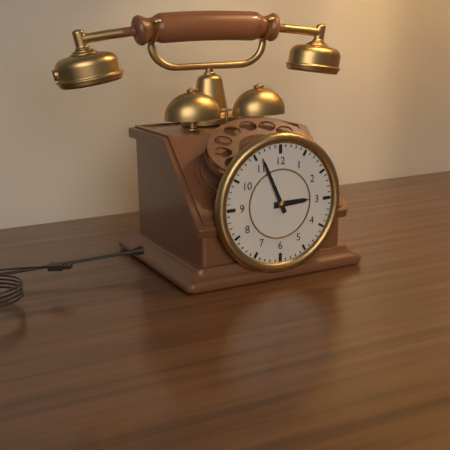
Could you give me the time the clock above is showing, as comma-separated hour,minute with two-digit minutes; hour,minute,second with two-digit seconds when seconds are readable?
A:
2,56
